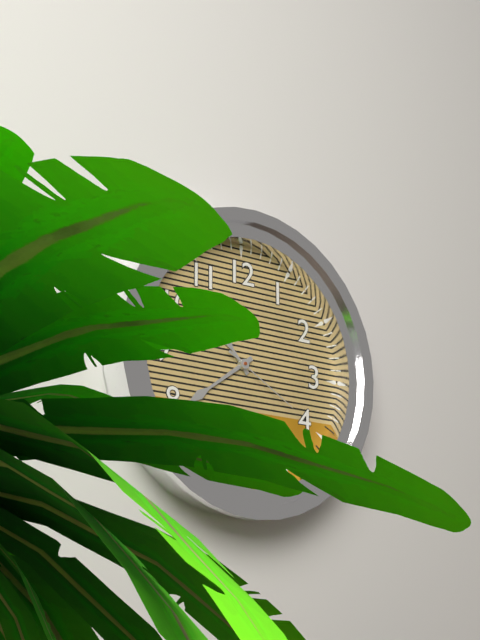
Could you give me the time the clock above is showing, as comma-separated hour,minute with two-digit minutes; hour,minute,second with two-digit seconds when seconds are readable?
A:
10,39,20
